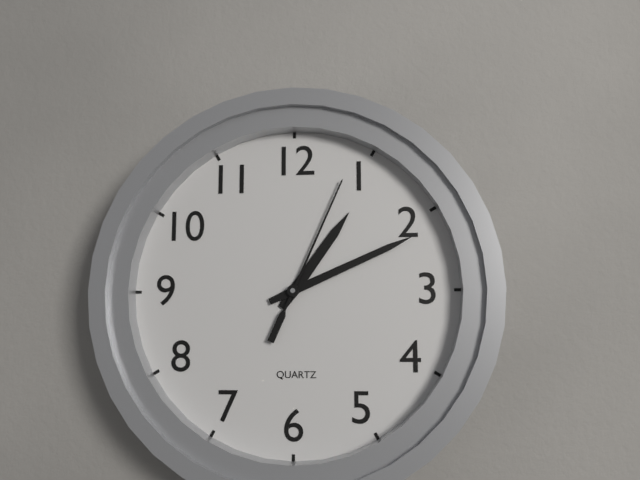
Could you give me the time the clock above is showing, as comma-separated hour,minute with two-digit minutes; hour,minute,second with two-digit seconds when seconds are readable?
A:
1,11,04
